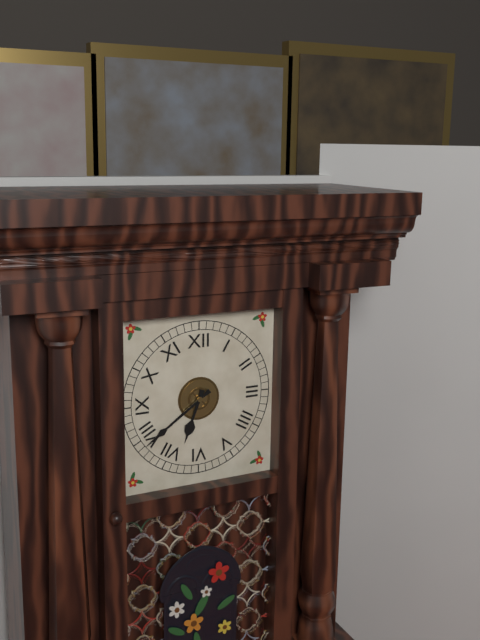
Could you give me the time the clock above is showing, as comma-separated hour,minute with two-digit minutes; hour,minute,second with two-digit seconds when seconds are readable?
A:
6,39
